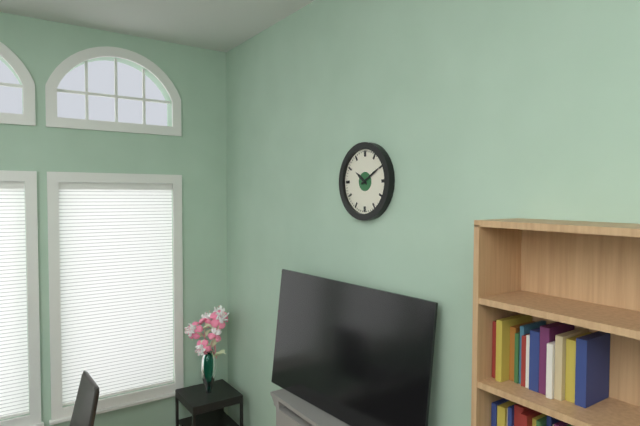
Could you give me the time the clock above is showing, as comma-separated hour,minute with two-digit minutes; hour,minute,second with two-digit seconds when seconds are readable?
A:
10,10
